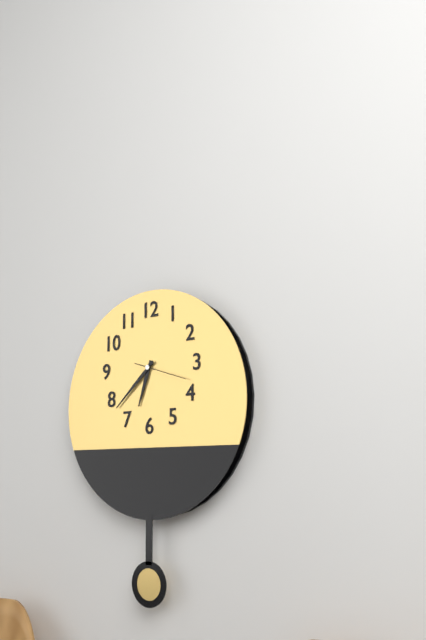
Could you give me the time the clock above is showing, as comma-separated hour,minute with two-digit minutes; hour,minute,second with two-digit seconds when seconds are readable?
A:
6,38,18
